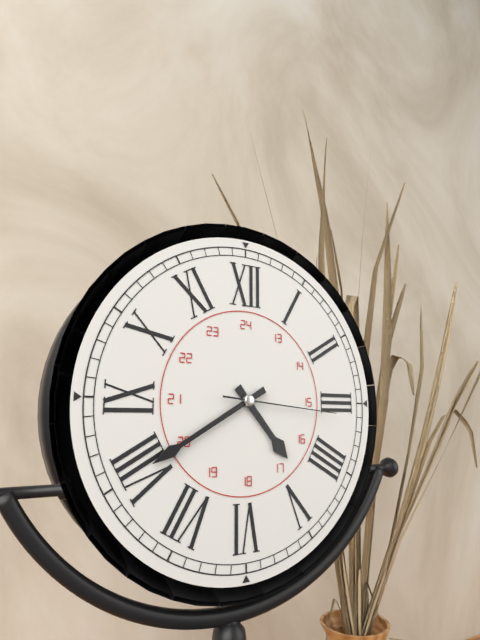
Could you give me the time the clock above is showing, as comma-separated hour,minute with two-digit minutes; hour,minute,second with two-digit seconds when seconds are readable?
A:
4,40,16
